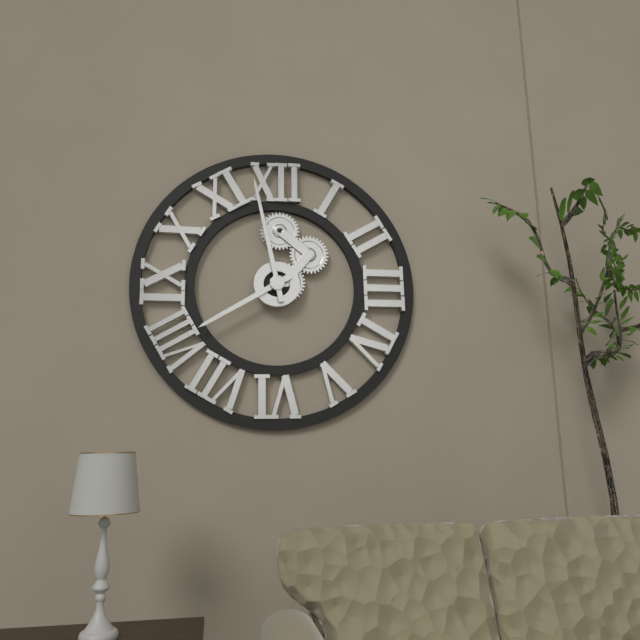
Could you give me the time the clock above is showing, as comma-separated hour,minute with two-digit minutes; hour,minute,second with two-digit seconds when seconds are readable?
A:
7,58
